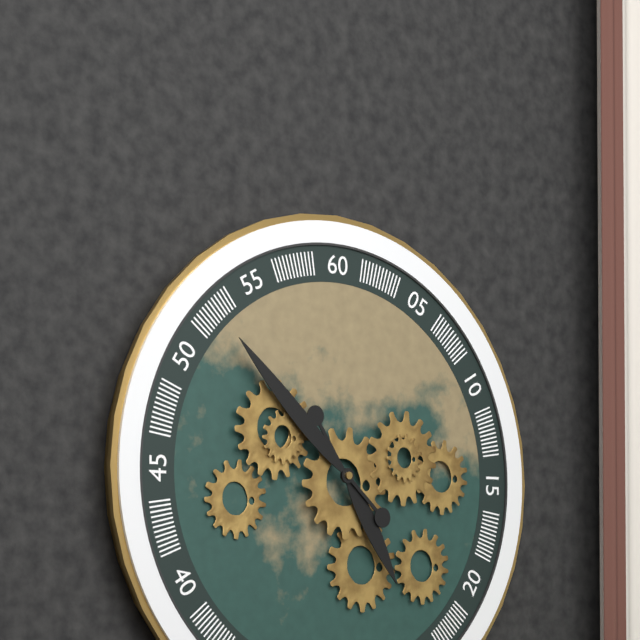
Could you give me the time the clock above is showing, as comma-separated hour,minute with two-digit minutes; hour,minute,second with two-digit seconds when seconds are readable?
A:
4,52
